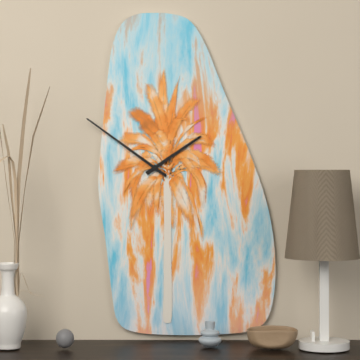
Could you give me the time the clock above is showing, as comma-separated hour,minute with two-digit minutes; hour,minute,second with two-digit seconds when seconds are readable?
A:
1,51
